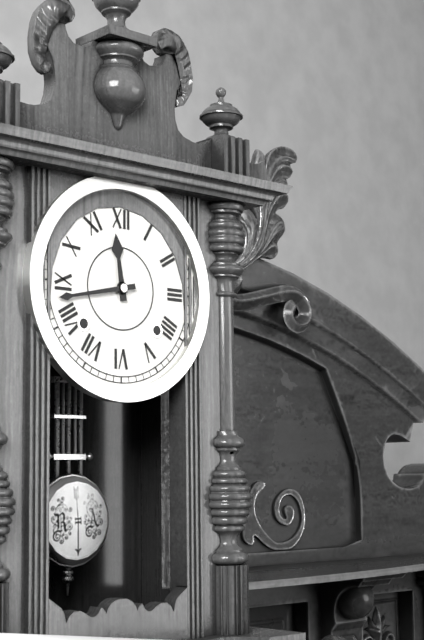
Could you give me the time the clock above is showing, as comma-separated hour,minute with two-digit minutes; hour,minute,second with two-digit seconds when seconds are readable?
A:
11,43
